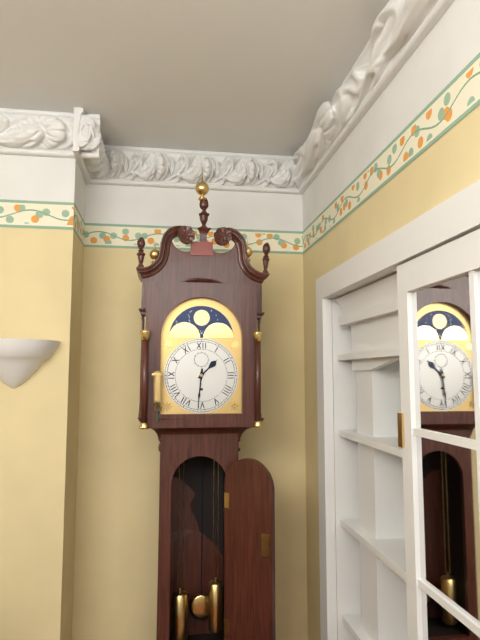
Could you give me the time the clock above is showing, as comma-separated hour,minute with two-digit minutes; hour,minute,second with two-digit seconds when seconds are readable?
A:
1,31
